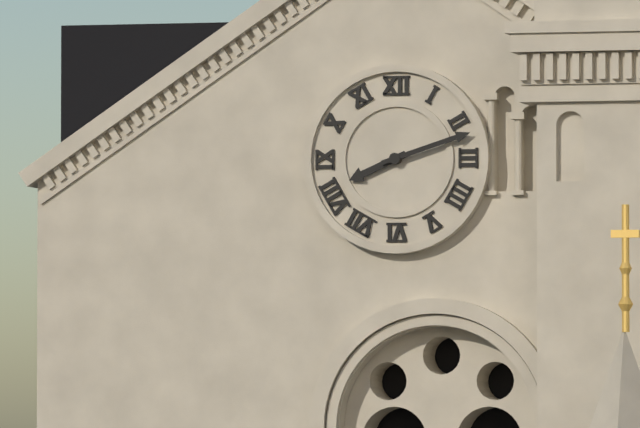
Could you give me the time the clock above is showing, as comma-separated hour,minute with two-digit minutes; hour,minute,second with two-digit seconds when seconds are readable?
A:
8,12
